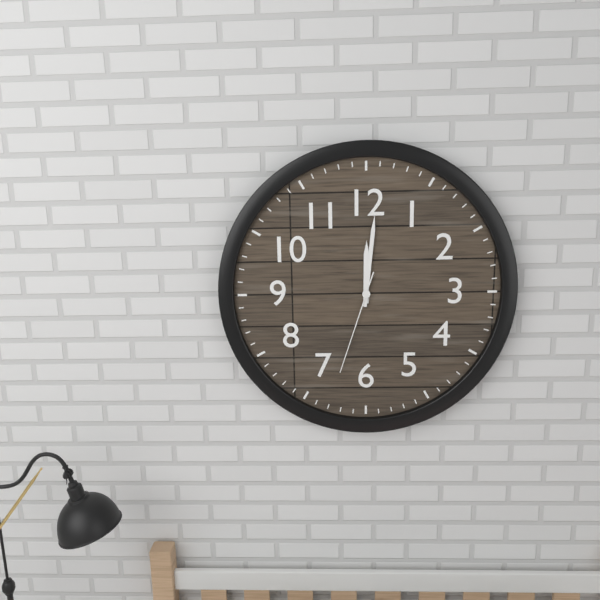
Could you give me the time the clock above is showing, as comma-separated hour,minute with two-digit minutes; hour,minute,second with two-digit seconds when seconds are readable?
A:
12,01,33
